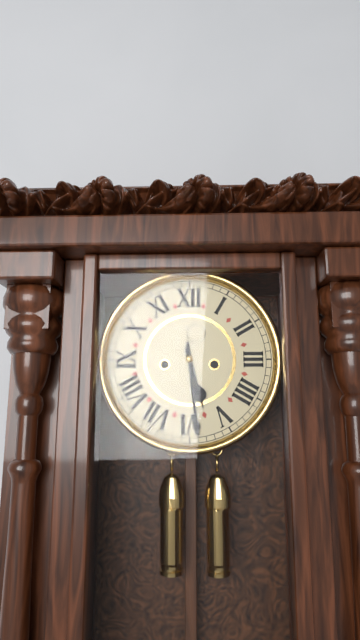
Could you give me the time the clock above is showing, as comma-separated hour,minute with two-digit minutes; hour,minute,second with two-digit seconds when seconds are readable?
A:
5,29
